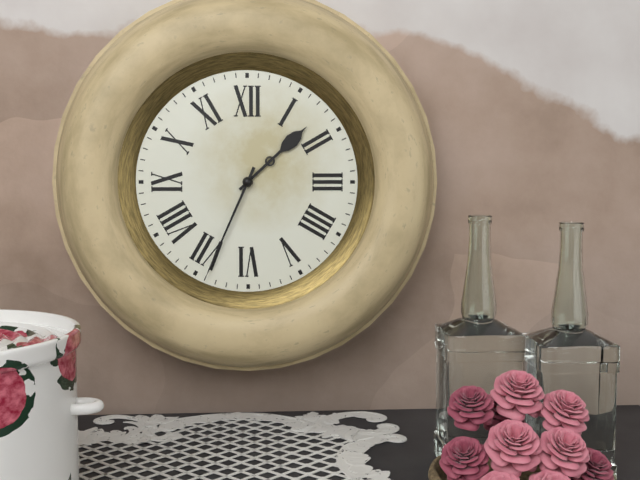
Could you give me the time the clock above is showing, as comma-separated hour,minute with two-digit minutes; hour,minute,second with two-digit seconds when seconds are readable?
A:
1,34
